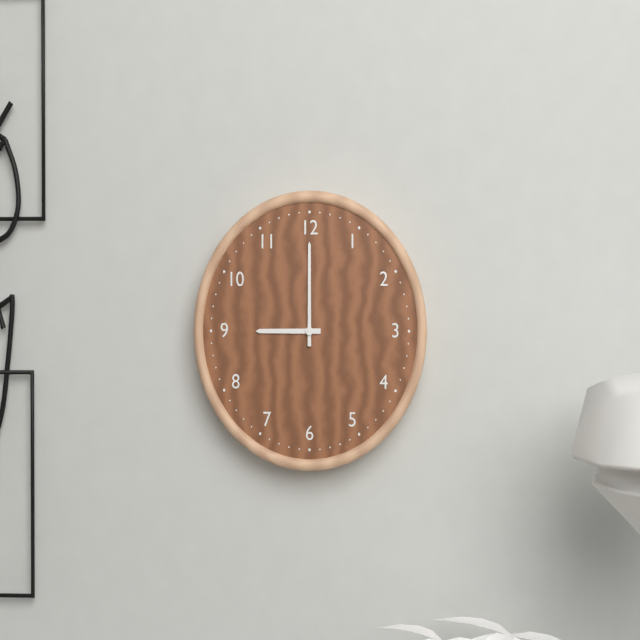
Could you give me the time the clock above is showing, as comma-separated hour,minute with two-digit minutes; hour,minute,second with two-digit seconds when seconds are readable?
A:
9,00
